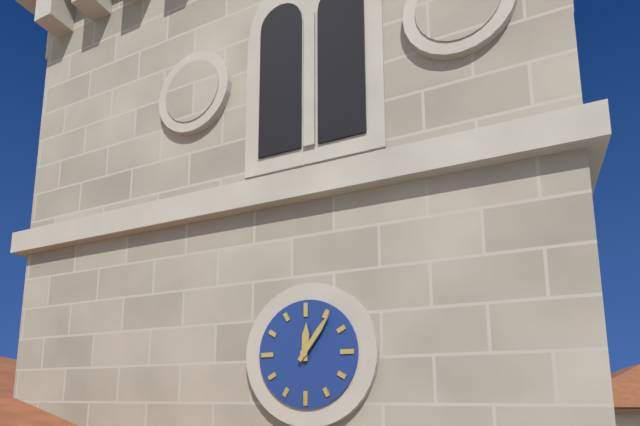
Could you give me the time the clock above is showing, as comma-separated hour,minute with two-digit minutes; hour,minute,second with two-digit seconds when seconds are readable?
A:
12,06
